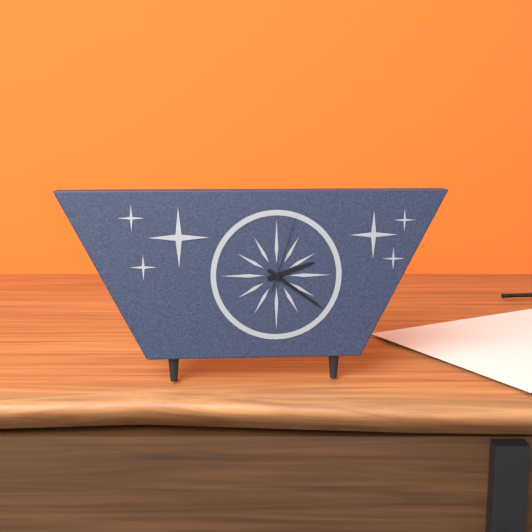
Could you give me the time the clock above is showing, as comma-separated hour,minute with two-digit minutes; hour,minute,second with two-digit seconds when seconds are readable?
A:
2,21,03
